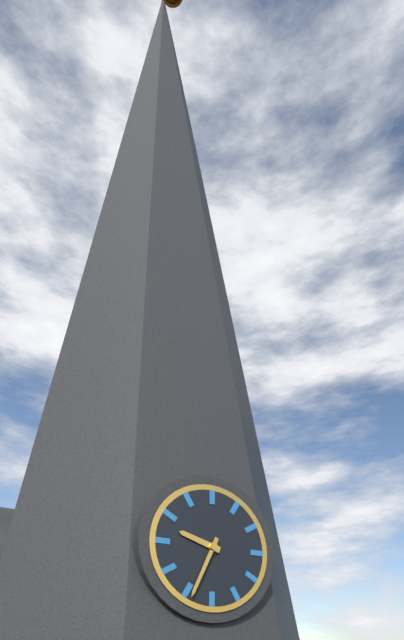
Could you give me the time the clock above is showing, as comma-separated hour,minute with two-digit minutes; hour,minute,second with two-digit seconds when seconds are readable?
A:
9,34
